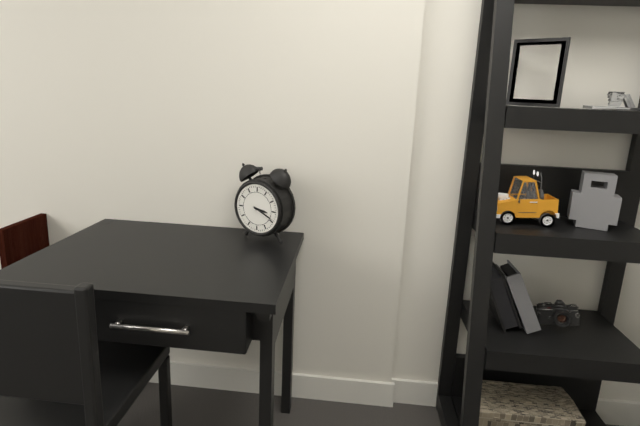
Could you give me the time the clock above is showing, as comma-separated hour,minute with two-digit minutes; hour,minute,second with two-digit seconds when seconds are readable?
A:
3,19
